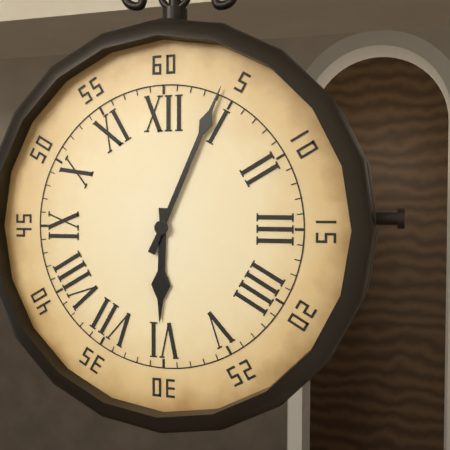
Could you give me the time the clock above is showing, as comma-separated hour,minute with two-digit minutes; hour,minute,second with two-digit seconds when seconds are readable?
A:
6,04
